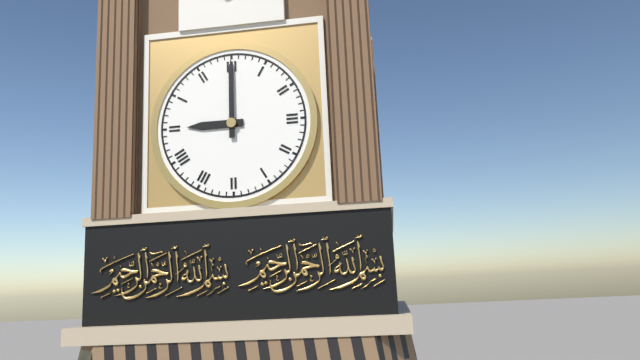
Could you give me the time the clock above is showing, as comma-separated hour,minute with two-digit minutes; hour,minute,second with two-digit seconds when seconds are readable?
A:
9,00
